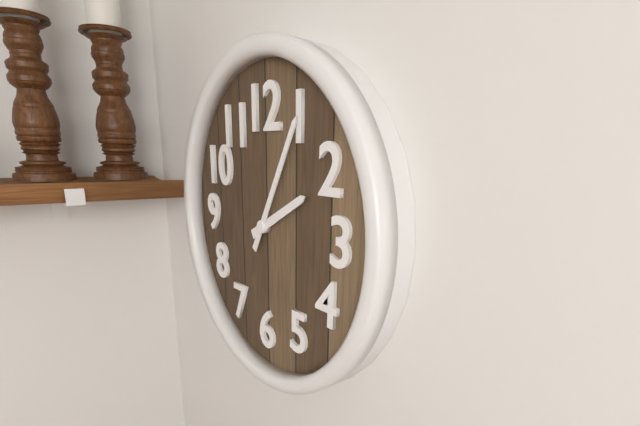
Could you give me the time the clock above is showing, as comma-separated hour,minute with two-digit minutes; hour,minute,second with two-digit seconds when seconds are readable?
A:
2,05
